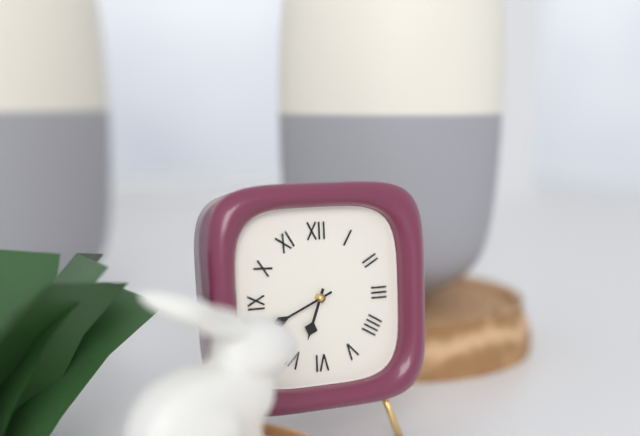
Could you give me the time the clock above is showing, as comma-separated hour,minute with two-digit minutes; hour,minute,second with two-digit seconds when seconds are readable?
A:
6,41
